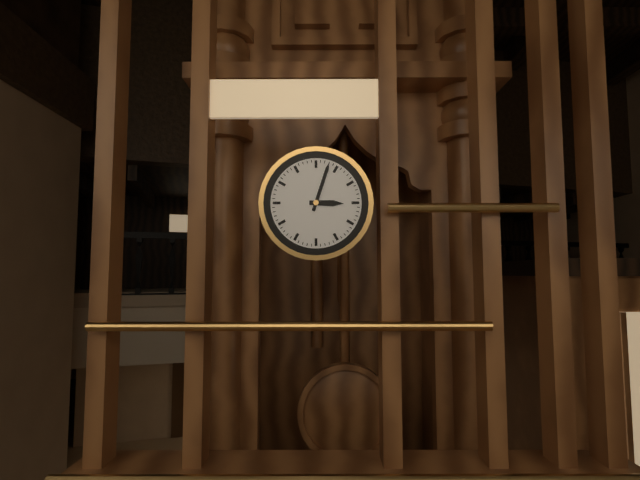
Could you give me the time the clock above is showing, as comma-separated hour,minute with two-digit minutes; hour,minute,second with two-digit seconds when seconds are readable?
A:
3,03
